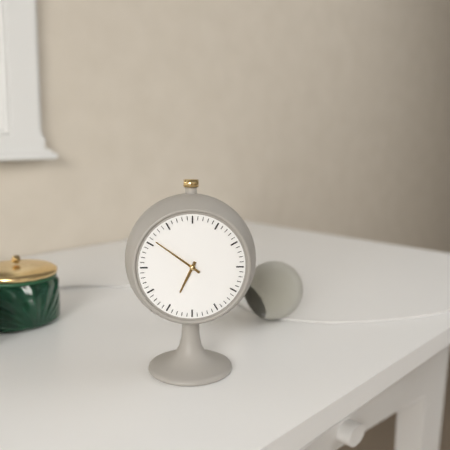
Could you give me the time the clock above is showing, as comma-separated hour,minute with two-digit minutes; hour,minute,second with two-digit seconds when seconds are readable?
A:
6,51
